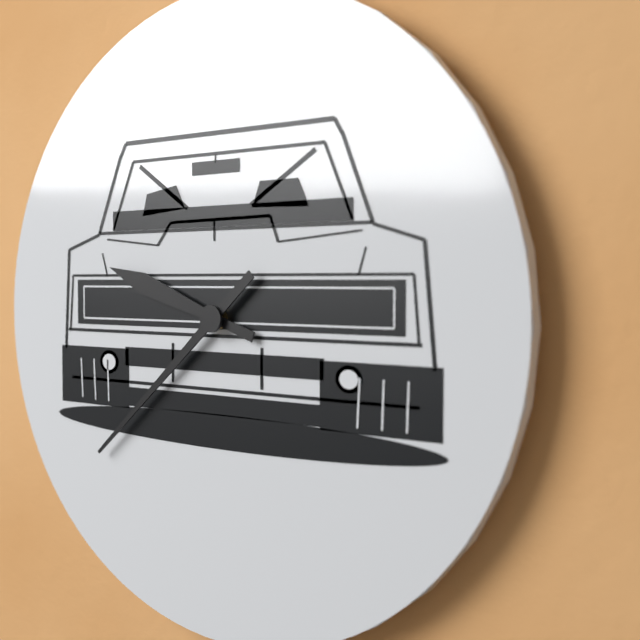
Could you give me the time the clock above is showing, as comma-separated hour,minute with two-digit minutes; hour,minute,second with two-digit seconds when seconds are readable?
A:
9,38
